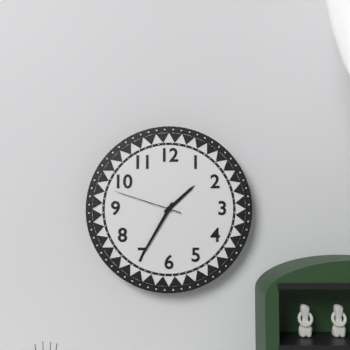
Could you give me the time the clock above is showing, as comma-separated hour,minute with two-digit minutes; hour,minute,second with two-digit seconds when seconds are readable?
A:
1,35,48
